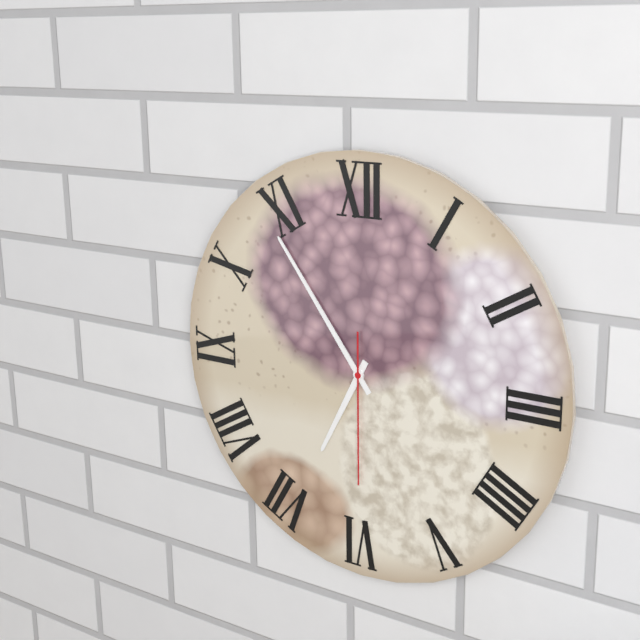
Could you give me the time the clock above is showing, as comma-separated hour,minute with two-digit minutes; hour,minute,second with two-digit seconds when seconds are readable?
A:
6,54,30
